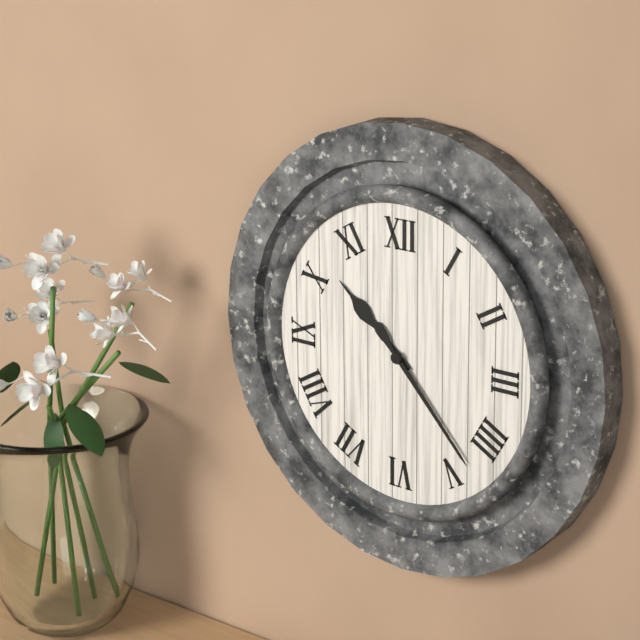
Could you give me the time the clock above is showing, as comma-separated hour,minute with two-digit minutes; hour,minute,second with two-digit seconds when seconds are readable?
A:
10,23
